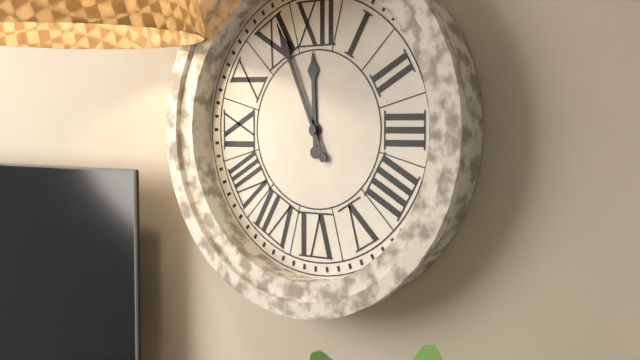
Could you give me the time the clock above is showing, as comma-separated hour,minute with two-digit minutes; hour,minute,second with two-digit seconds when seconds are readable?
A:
11,56
